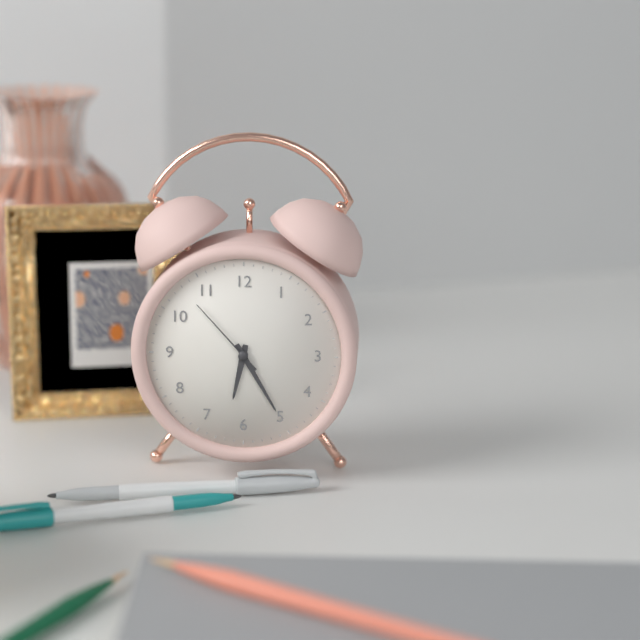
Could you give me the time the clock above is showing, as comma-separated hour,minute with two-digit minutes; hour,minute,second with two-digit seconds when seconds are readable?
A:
6,25,53
